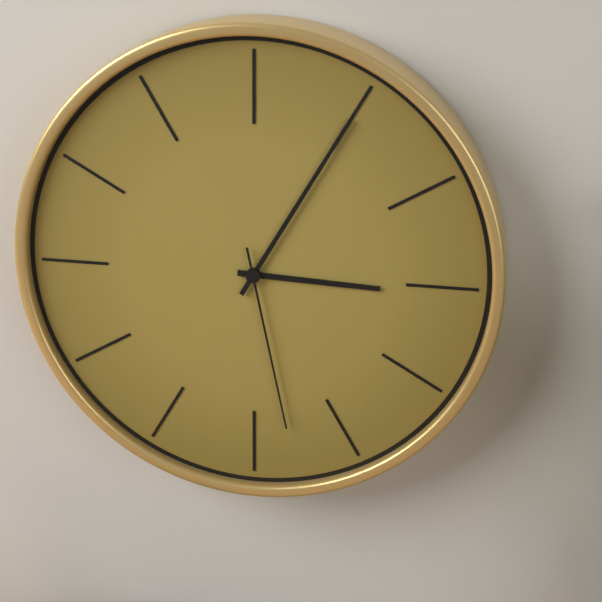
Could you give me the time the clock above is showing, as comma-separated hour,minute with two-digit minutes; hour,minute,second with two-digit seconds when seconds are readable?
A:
3,05,28
